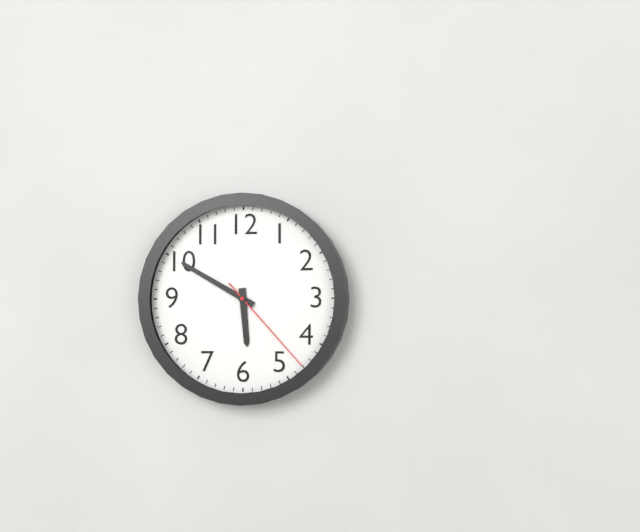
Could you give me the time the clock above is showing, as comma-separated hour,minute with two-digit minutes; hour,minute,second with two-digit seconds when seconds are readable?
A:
5,50,23
